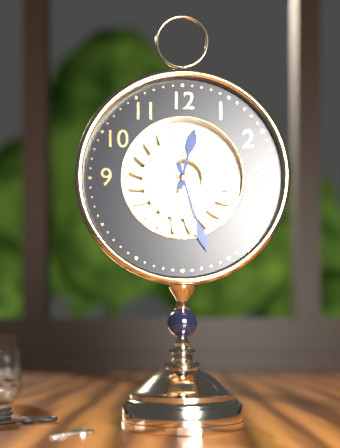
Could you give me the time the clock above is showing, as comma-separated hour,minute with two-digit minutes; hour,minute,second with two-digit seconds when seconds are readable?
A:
12,27
